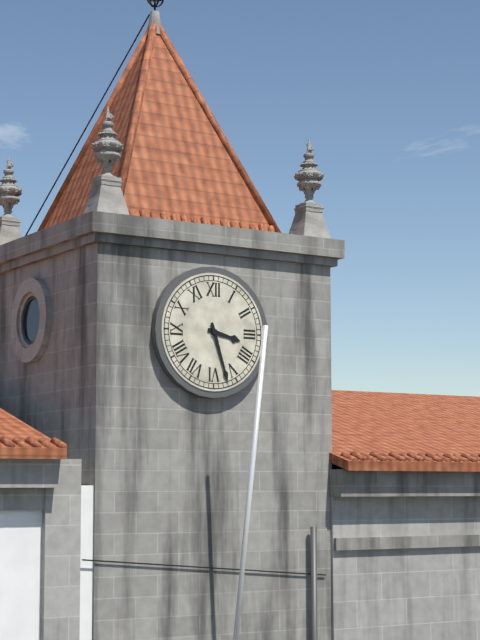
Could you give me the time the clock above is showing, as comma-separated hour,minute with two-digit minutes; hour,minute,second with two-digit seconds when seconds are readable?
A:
3,27
